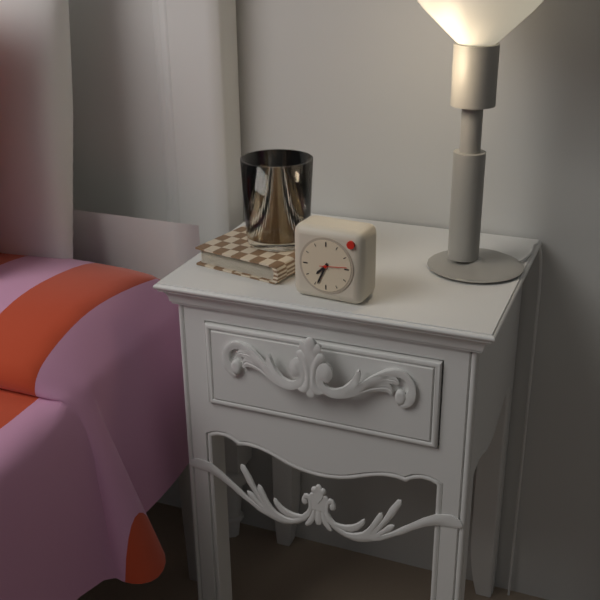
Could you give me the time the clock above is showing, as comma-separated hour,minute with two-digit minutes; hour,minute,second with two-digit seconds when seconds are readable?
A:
7,34
